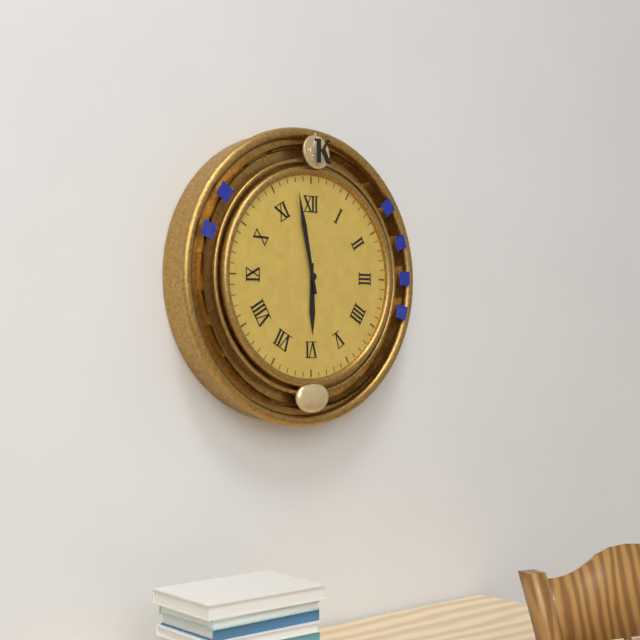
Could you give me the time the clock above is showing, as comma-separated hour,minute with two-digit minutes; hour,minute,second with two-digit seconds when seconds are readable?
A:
5,58
